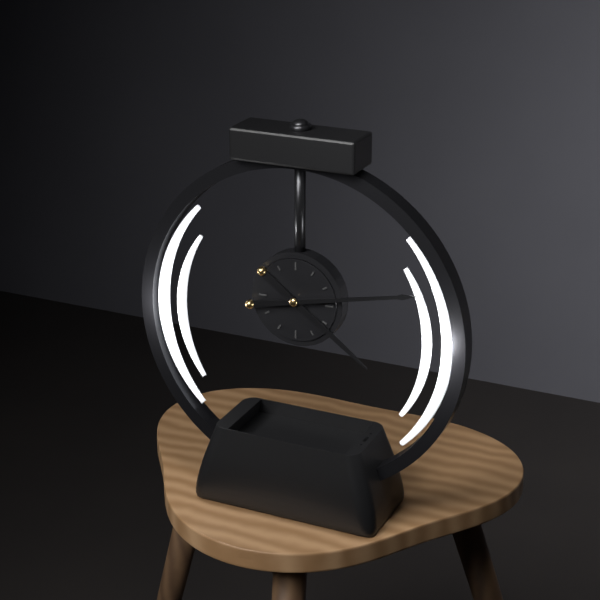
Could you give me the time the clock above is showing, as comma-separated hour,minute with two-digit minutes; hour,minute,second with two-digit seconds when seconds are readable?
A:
4,13
